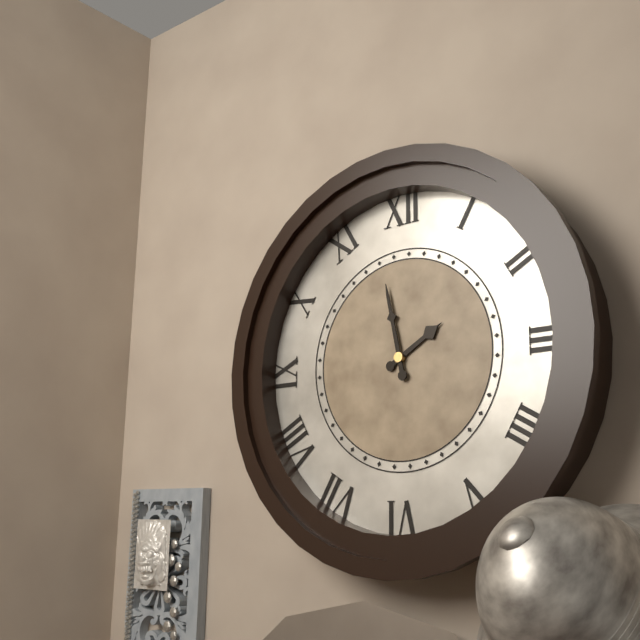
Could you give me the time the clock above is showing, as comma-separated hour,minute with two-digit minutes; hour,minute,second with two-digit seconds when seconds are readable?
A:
1,58
